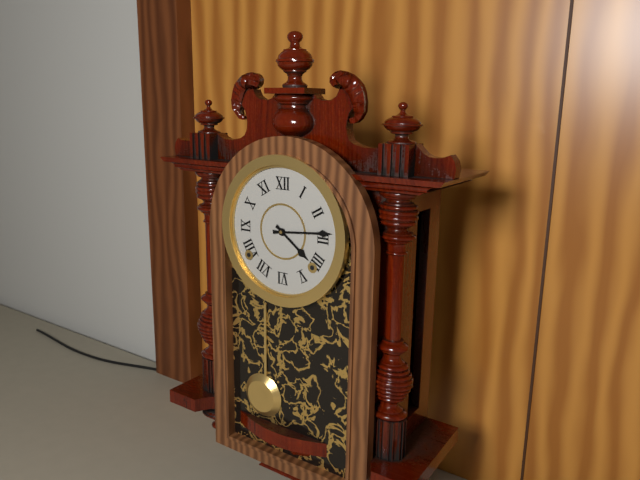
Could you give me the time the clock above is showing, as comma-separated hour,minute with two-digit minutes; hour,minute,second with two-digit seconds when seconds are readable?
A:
4,14
